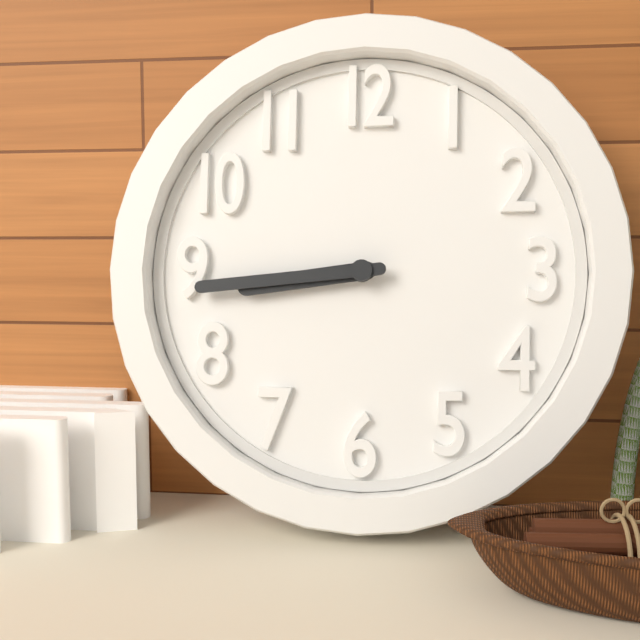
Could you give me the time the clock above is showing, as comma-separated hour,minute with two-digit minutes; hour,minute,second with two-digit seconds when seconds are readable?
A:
8,44
